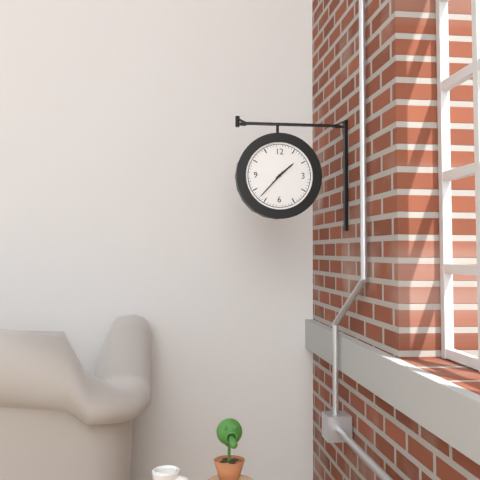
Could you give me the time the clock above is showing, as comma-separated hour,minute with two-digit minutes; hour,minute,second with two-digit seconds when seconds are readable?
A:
1,37
